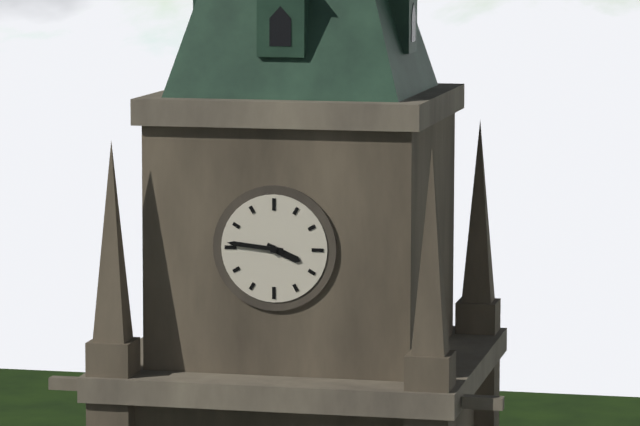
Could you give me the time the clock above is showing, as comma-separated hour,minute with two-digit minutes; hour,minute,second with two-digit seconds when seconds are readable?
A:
3,46
